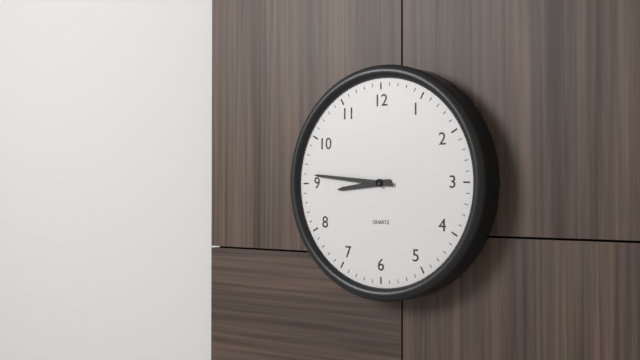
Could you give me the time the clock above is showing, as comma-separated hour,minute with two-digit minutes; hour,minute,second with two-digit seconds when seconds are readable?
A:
8,46
